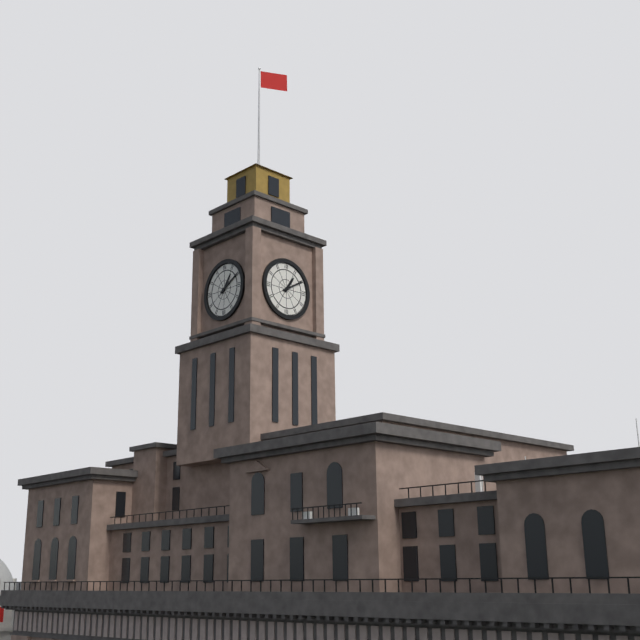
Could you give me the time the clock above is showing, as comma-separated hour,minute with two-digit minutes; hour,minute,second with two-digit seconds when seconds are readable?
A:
1,10
